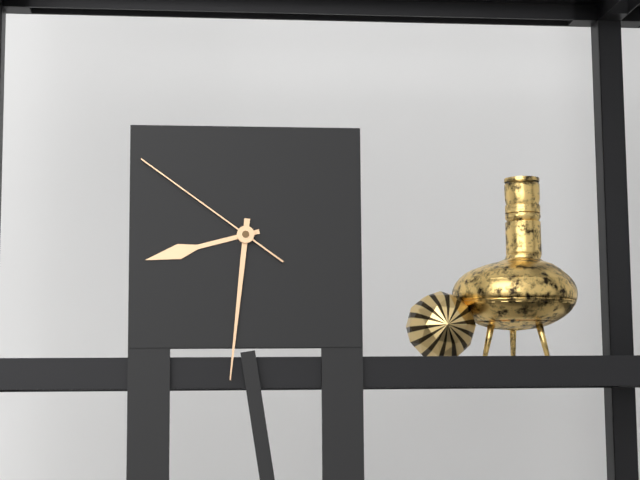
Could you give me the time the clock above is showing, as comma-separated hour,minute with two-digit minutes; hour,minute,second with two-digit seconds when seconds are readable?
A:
8,31,51
